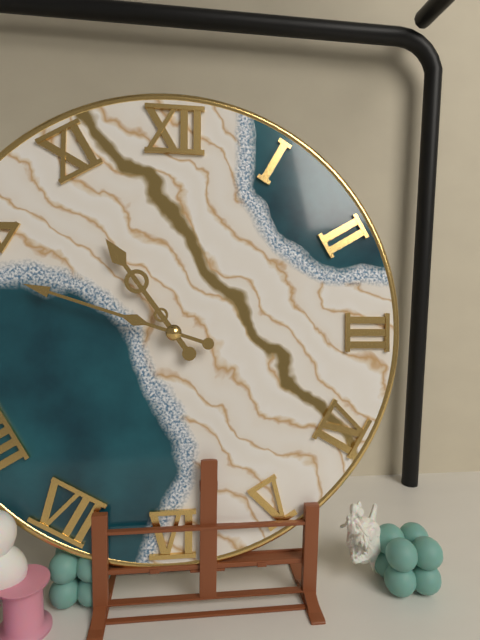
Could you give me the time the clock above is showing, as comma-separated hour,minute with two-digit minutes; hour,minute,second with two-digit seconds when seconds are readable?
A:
10,48
